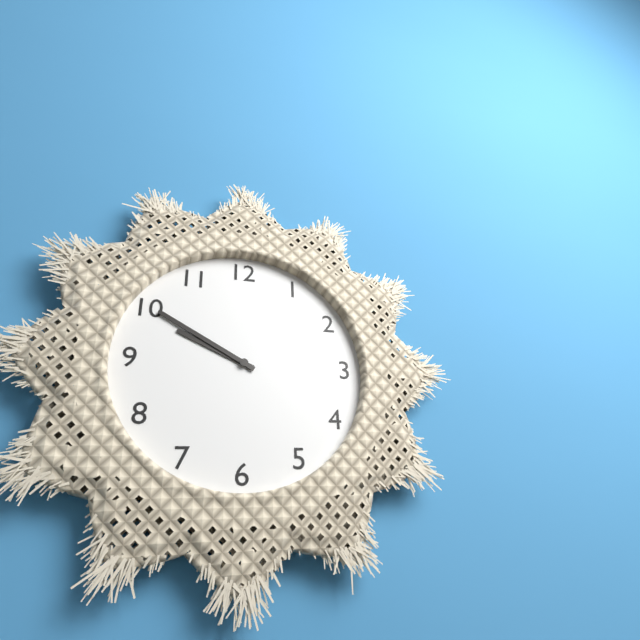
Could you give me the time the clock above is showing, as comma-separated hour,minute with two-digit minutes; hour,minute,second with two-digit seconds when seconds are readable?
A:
9,50
